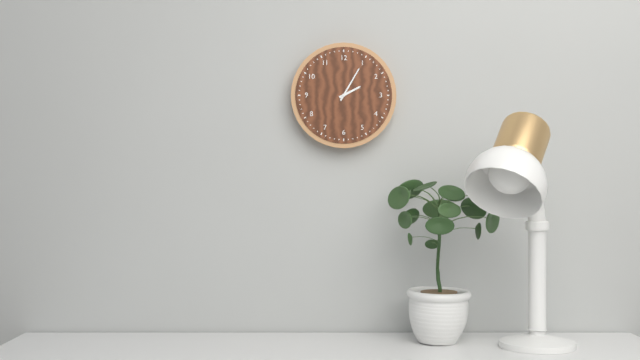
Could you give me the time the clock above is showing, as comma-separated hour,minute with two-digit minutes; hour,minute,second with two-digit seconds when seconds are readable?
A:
2,05
